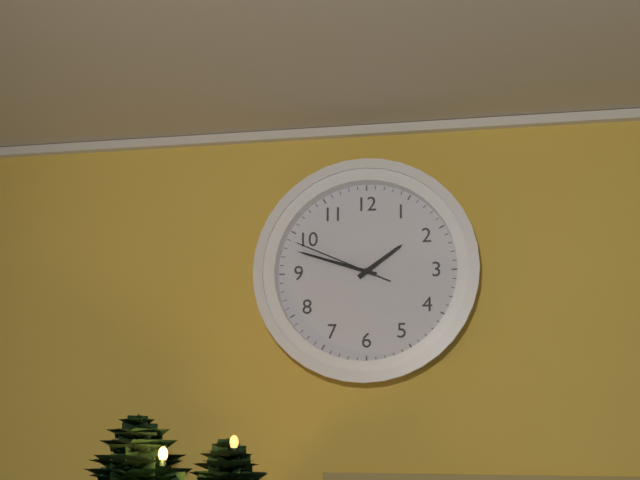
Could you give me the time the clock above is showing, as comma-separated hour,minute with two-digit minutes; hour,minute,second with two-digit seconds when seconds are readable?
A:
1,48,49
